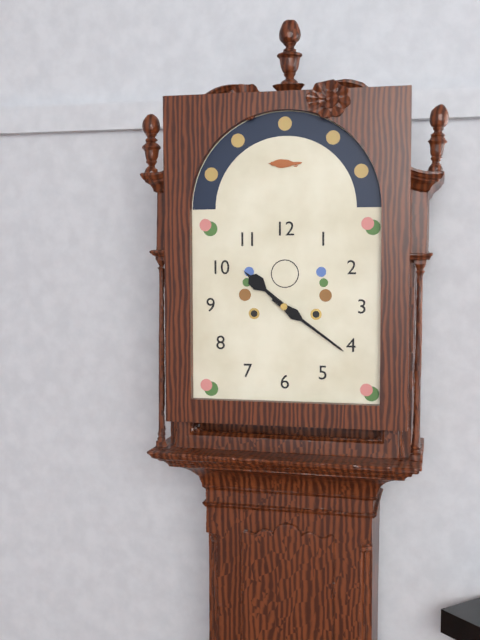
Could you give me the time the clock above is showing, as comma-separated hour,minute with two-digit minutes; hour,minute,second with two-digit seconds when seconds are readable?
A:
10,21
